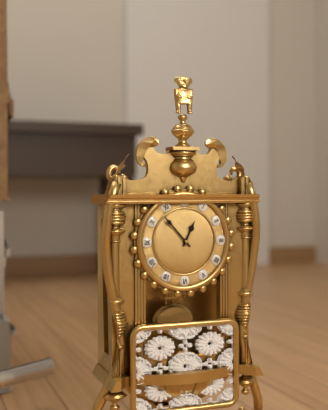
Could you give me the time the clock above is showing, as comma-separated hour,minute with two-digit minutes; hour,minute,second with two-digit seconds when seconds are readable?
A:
12,53
